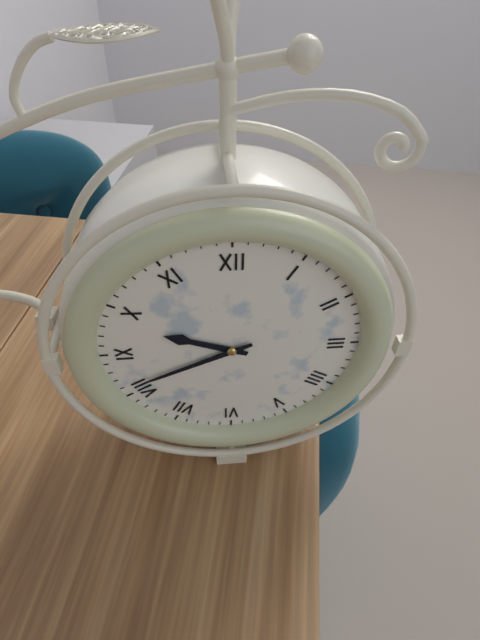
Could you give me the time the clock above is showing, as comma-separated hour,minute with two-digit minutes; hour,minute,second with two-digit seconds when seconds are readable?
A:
9,41
